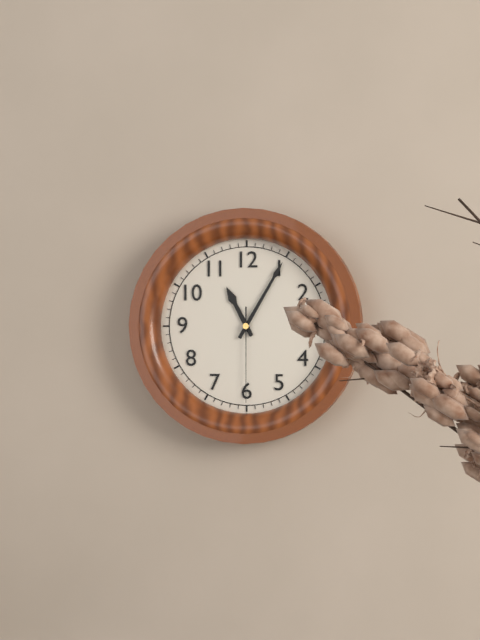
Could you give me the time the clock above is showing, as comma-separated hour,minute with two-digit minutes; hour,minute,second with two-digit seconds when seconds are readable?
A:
11,05,30
